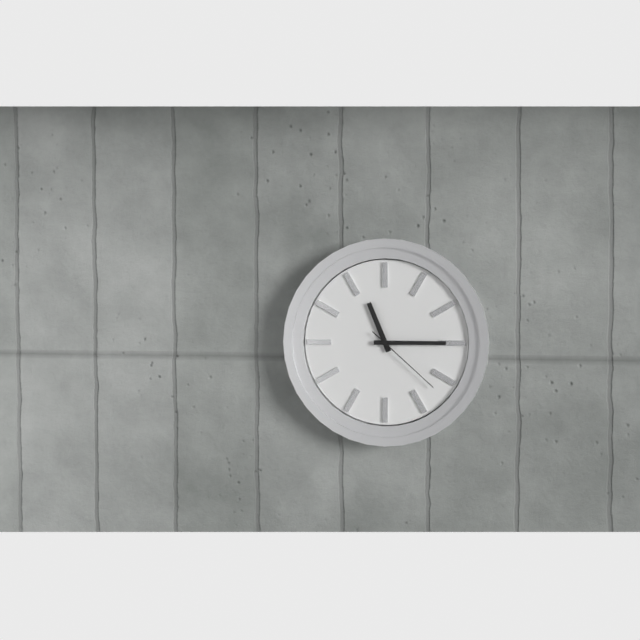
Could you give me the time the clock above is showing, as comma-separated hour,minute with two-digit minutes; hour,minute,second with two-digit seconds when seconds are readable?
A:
11,15,22
